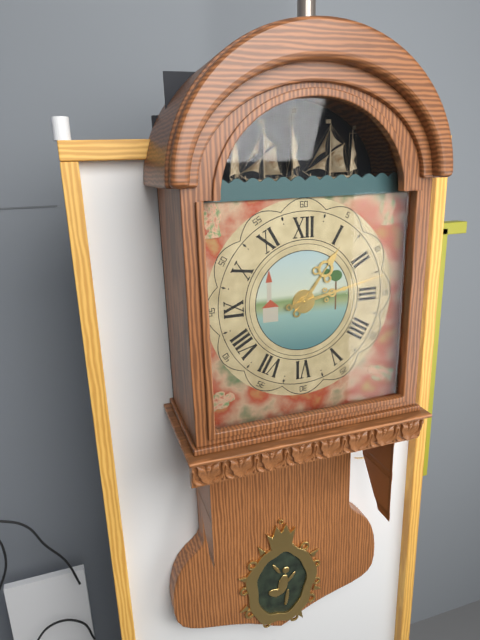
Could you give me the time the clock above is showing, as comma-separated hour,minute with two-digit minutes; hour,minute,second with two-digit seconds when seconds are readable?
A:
1,13
